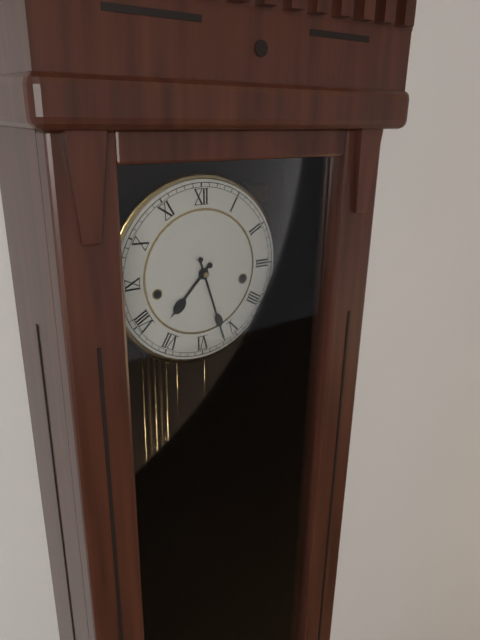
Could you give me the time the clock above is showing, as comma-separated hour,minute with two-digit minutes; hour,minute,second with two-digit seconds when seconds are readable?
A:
7,27
